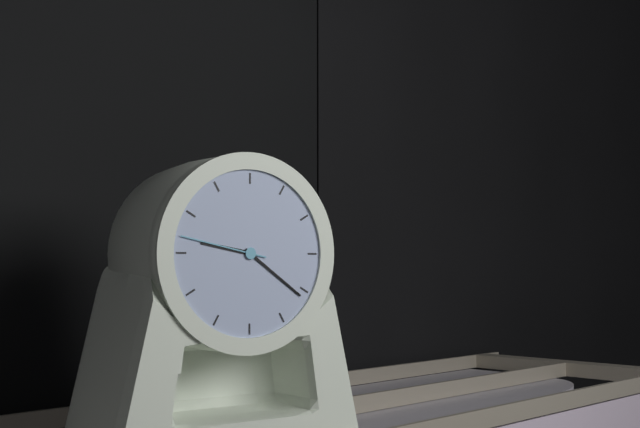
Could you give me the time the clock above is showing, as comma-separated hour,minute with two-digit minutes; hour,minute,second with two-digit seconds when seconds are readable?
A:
9,21,47
